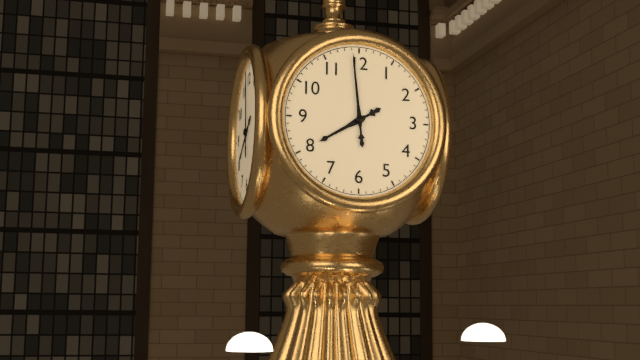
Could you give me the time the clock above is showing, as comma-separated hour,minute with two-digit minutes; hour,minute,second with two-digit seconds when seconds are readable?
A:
7,59
